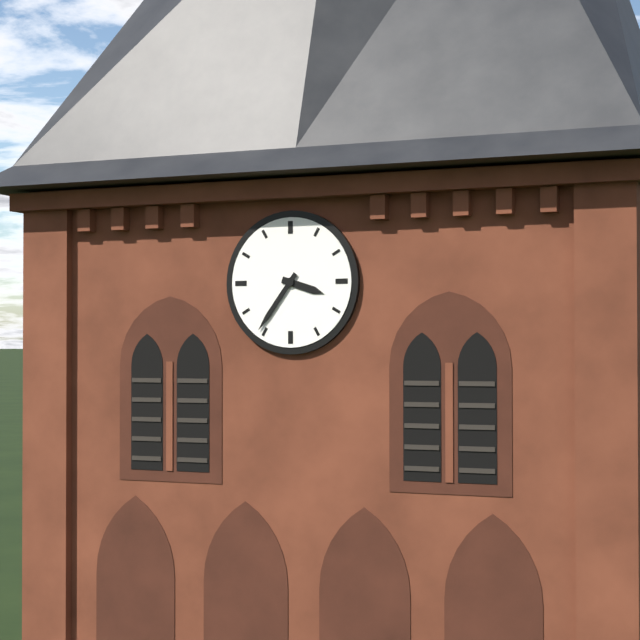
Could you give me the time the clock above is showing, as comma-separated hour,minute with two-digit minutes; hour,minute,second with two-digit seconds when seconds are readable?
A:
3,36
